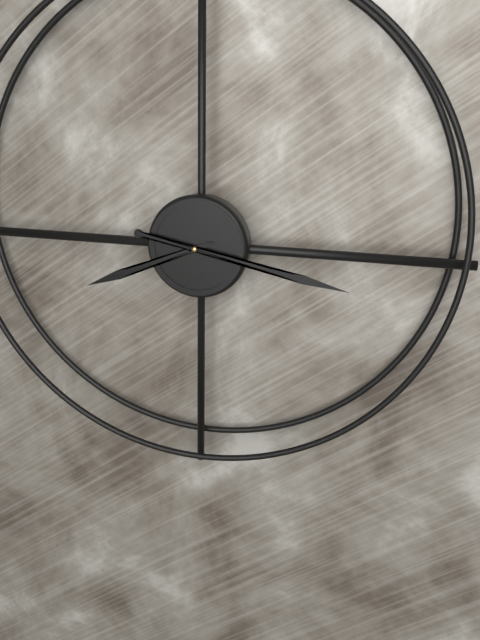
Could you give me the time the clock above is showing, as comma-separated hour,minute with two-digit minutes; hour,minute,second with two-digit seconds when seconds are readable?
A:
8,17
